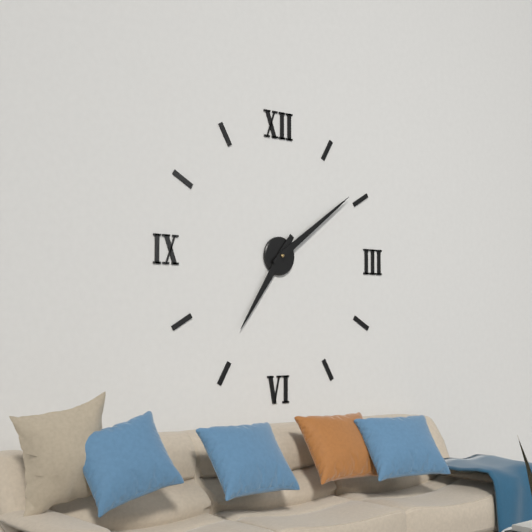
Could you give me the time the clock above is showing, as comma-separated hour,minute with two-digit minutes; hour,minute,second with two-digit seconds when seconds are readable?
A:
7,09
